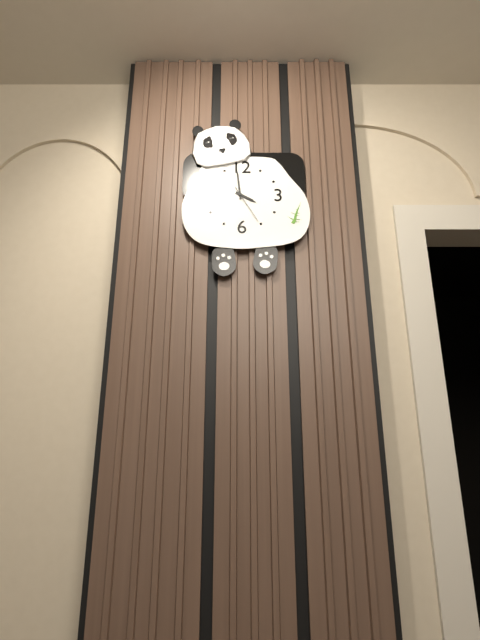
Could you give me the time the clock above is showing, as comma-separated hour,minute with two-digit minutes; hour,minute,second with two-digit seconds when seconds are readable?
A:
3,59
